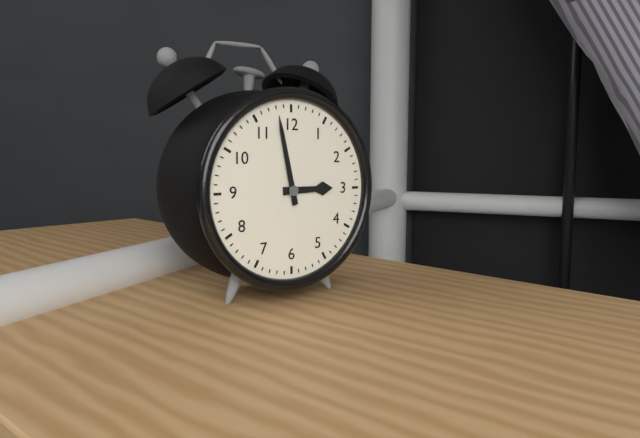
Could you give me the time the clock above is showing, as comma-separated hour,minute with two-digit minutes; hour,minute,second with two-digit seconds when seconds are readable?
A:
2,58
